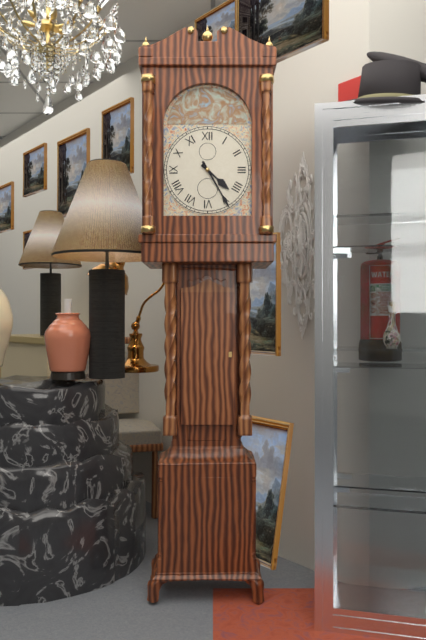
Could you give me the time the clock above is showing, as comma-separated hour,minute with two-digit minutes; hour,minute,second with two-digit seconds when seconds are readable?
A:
4,25
